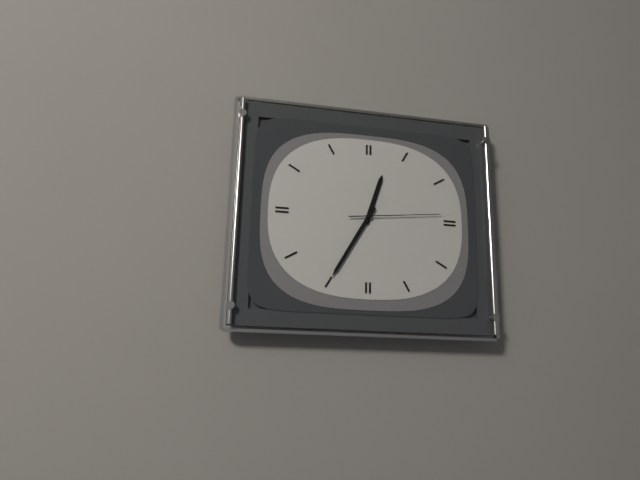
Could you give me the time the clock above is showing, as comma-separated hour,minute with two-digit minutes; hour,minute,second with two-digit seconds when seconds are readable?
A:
12,35,14
